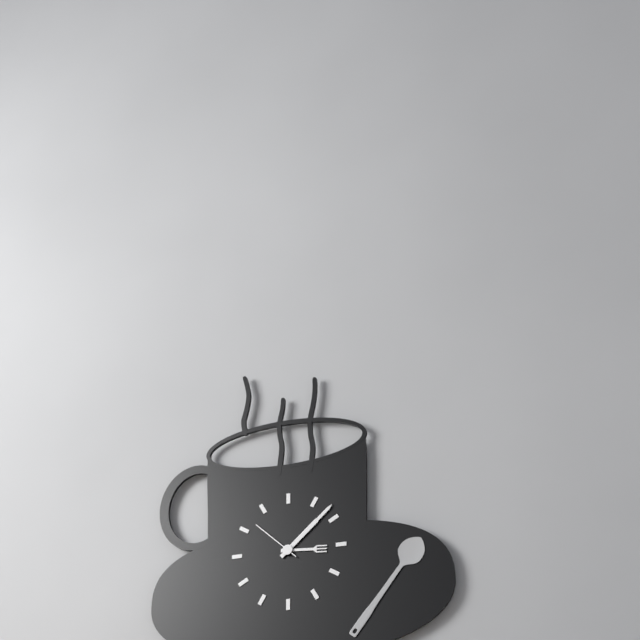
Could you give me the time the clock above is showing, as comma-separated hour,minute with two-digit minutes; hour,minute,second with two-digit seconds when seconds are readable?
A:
3,08,52
